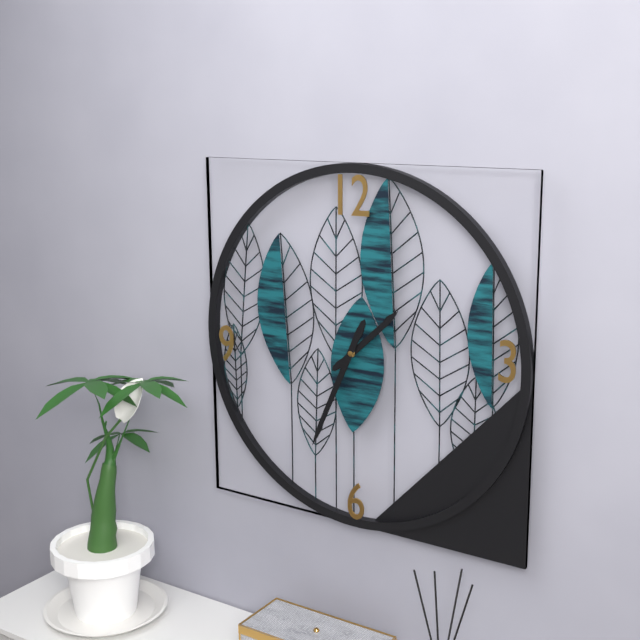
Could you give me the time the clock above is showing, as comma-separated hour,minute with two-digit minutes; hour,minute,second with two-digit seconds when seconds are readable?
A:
1,34
